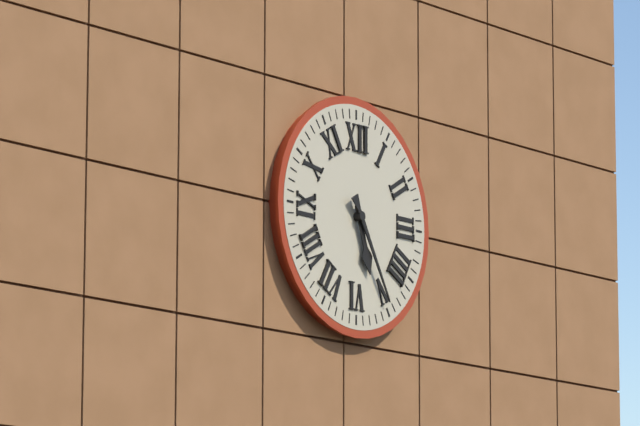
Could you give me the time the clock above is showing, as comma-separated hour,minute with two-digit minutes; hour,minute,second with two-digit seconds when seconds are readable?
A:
5,25
